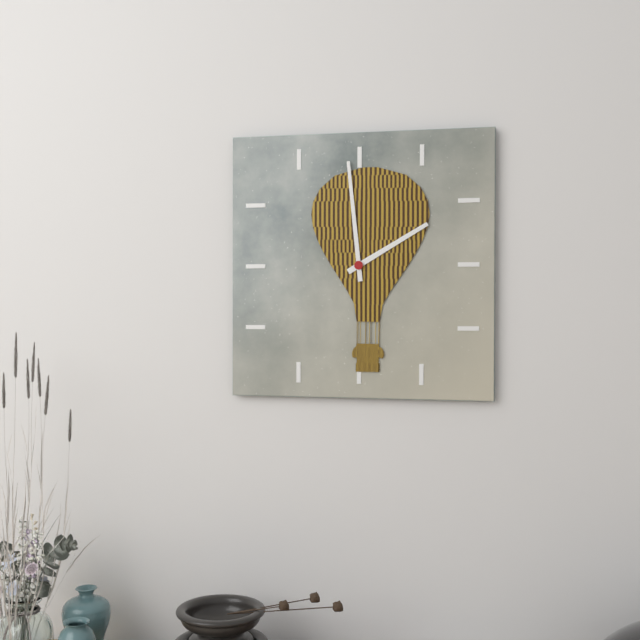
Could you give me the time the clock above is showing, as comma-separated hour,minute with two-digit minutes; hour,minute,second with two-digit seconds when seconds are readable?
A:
1,59
